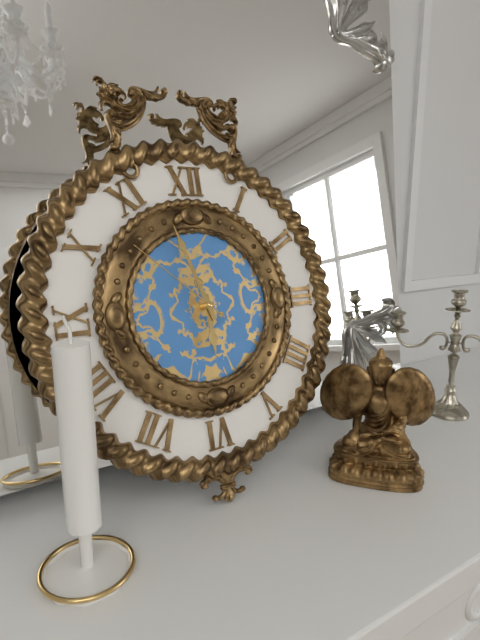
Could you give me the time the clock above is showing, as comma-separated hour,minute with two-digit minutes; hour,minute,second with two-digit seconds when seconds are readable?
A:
5,57,52
